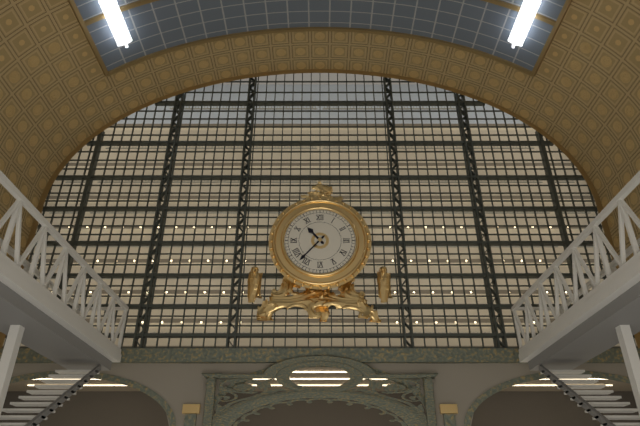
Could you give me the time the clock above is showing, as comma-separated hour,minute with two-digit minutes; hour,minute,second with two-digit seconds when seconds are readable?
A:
10,37
